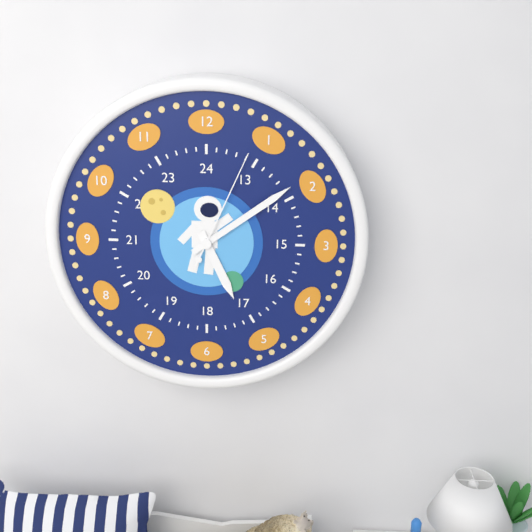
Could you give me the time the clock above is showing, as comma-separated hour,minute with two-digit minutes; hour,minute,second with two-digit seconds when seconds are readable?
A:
5,09,04
